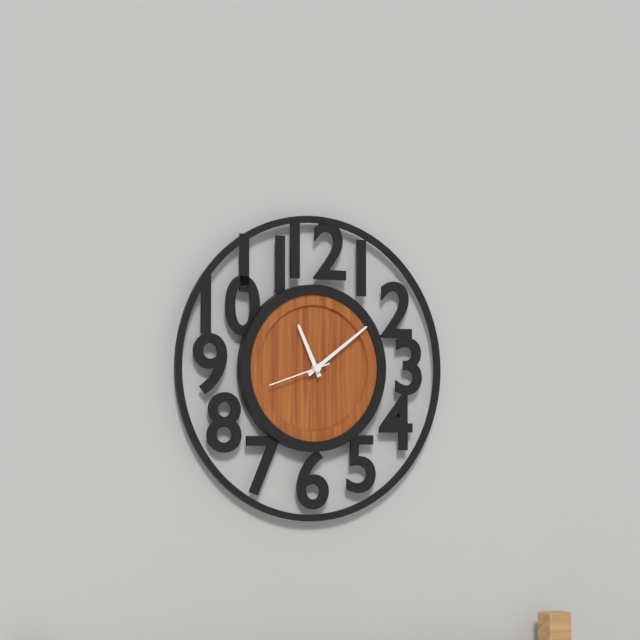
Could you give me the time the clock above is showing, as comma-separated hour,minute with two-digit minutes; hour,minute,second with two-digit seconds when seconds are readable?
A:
11,09,42
